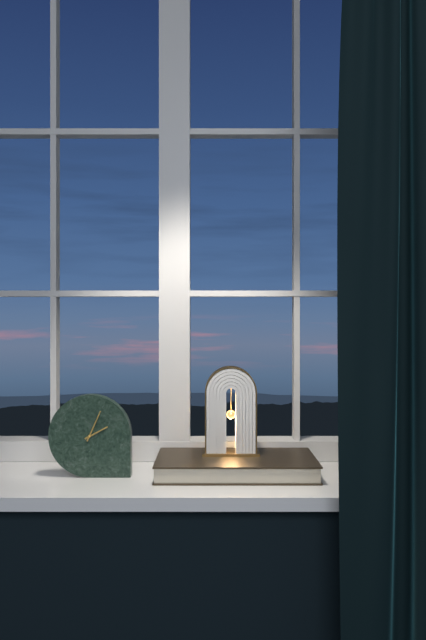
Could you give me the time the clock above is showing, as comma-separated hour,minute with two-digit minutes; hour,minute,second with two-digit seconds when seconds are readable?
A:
2,04
